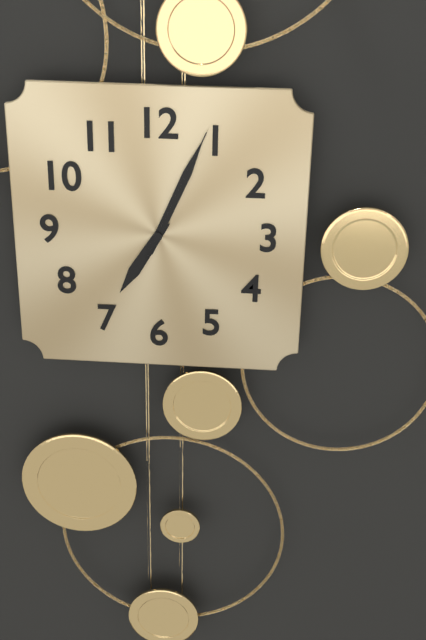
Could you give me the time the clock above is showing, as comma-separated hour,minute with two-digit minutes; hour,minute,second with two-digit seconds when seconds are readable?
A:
7,04,04
